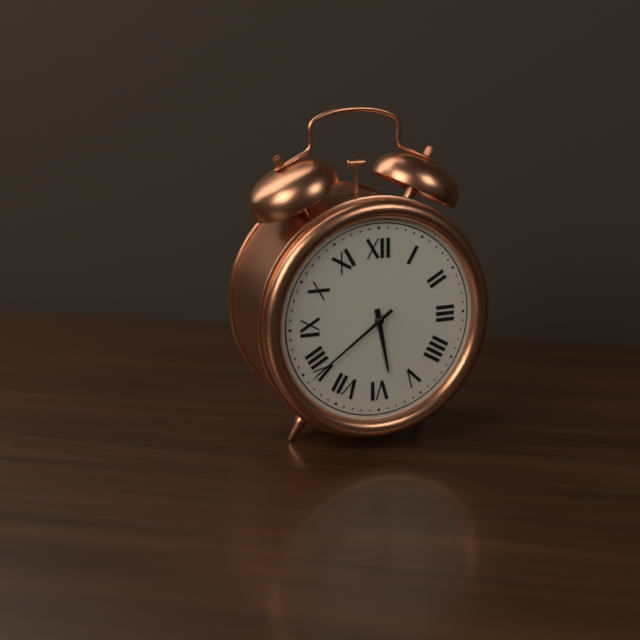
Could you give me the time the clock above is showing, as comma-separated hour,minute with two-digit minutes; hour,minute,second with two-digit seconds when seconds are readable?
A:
5,39
